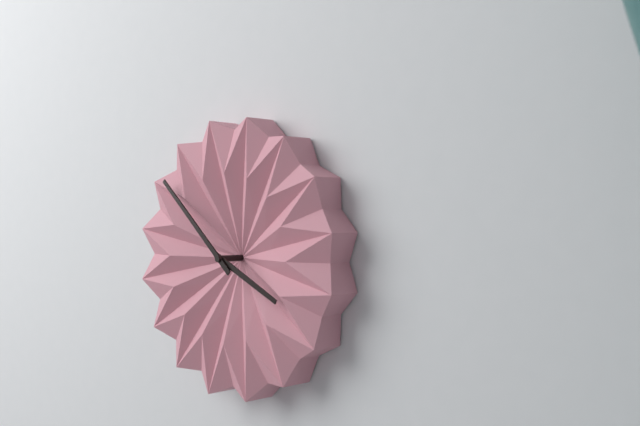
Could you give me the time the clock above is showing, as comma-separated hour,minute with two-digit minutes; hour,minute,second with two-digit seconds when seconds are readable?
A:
3,52
